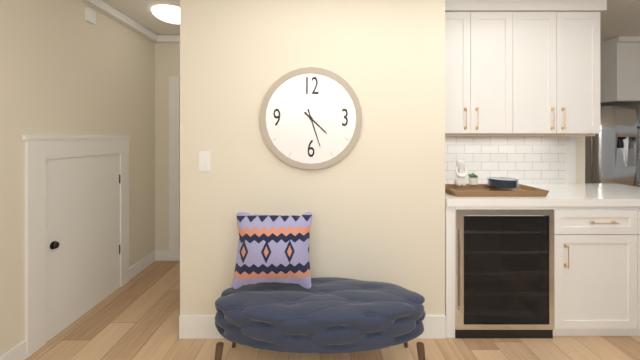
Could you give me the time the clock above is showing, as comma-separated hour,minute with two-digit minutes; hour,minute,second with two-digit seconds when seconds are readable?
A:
4,27
